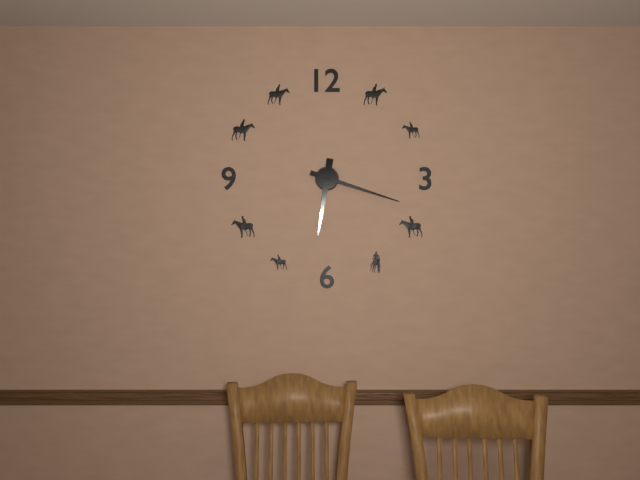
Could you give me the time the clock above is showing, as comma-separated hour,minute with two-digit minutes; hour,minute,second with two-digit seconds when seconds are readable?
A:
6,18
